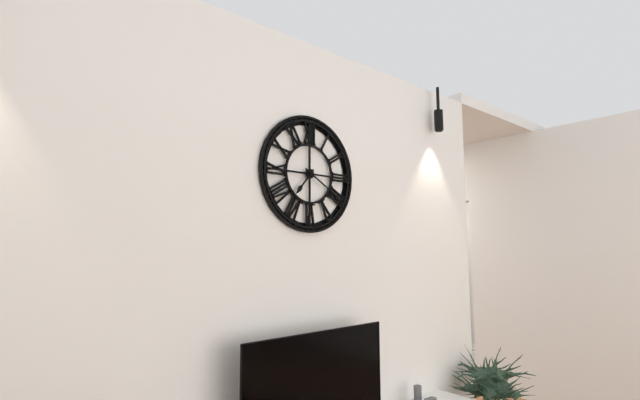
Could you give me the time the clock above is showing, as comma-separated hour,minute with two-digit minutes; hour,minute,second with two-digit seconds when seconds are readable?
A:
7,20
